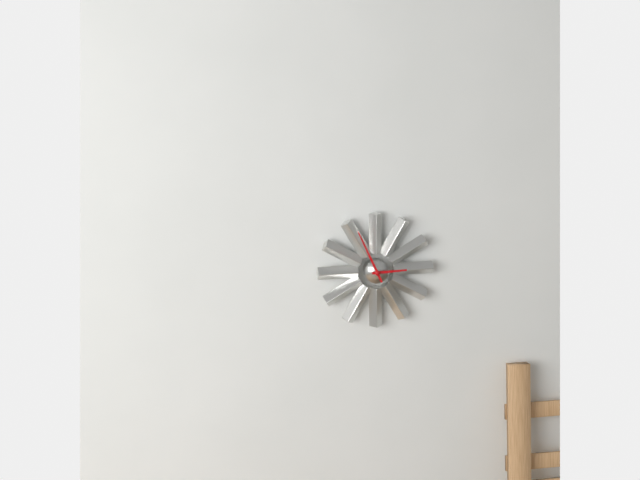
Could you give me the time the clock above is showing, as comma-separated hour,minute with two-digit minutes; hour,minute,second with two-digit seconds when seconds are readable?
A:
2,56
